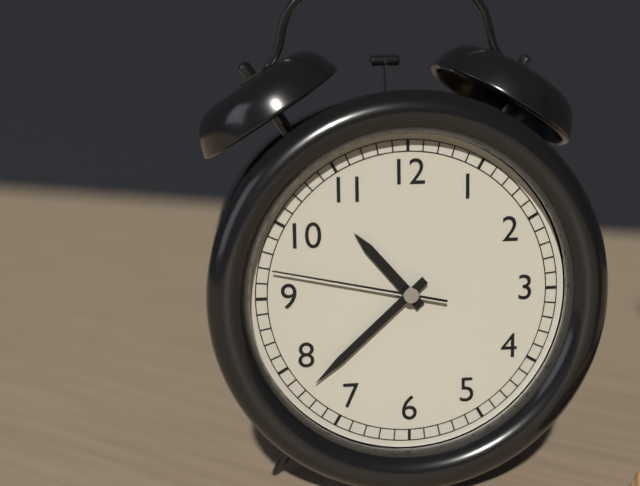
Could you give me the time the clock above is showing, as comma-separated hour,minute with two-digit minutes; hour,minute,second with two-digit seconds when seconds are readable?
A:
10,38,47
